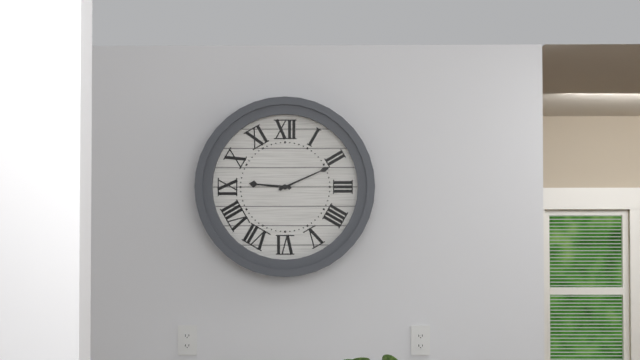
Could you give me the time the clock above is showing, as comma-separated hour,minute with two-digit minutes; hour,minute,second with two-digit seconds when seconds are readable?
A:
9,11
